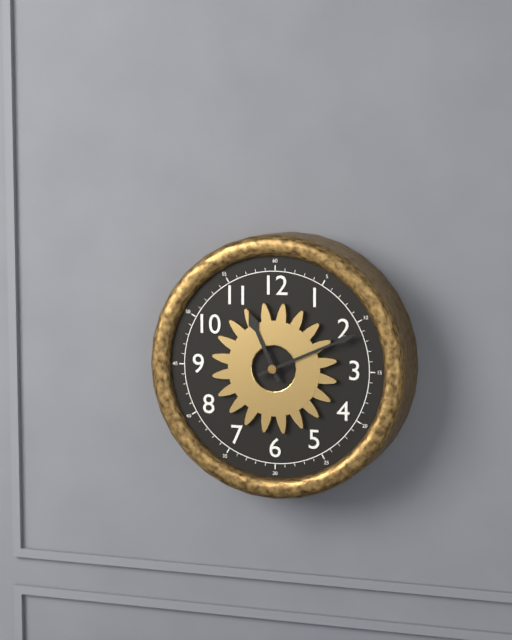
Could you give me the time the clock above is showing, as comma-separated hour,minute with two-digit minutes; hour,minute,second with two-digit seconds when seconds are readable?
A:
11,11
